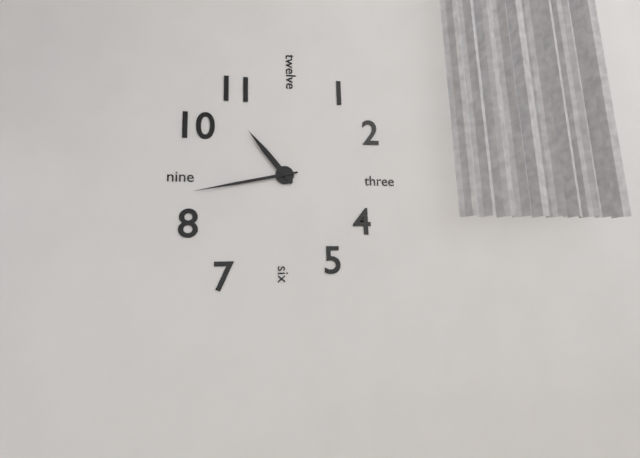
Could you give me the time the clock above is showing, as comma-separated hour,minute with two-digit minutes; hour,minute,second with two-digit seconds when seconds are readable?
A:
10,43
